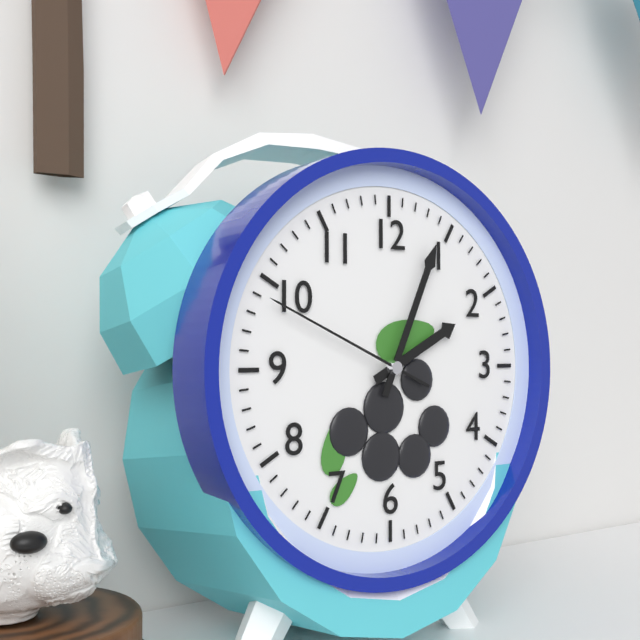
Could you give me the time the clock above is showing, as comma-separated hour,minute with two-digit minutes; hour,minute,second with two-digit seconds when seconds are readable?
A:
2,04,49
